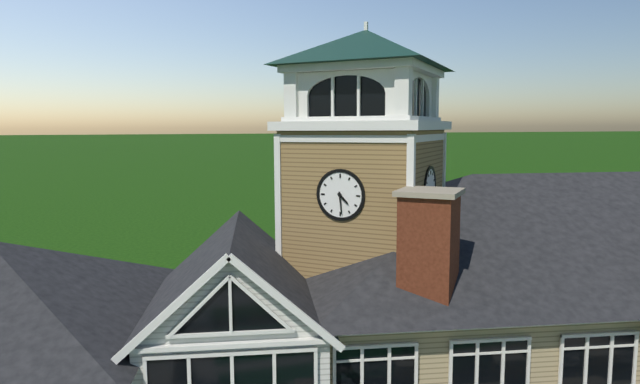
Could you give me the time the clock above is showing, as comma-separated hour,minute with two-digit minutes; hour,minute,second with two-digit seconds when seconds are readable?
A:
4,29
